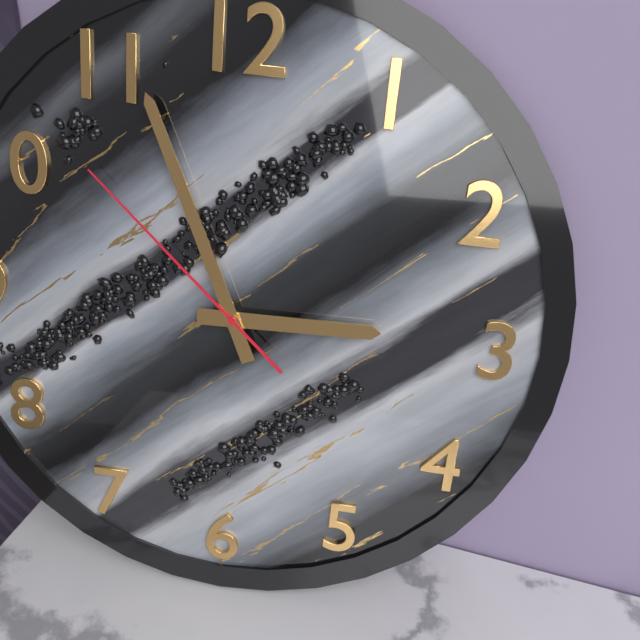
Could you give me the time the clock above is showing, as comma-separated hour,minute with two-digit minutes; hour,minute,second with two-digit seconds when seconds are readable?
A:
2,56,52
